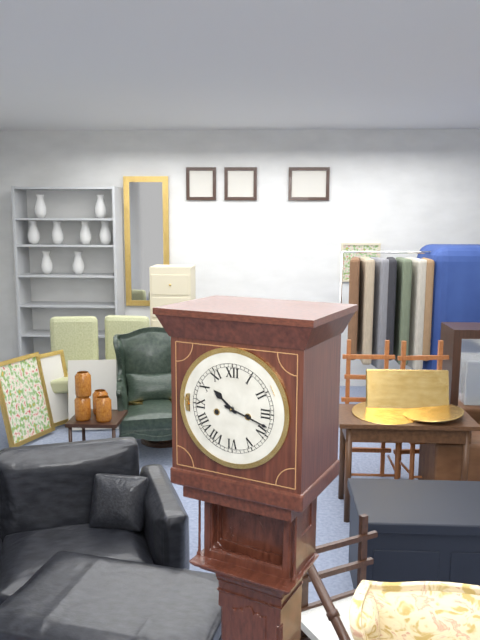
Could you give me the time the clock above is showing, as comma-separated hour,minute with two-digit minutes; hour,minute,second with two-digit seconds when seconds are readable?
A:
10,18
